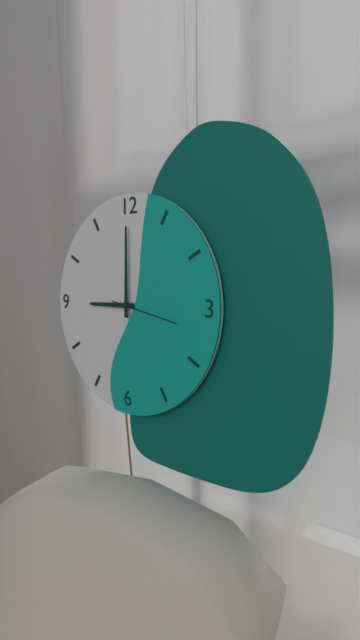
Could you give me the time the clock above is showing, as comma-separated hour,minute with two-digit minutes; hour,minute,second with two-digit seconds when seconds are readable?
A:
9,00,17
